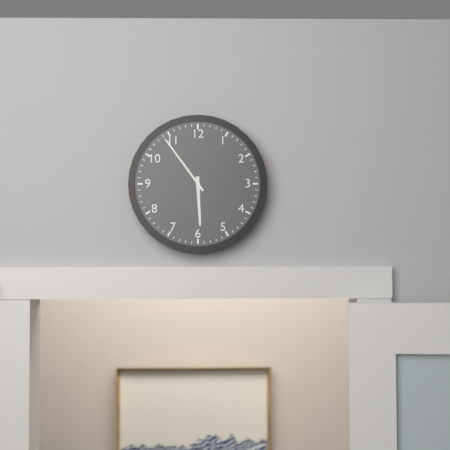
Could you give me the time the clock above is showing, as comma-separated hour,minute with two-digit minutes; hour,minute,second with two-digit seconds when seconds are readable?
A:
5,54
